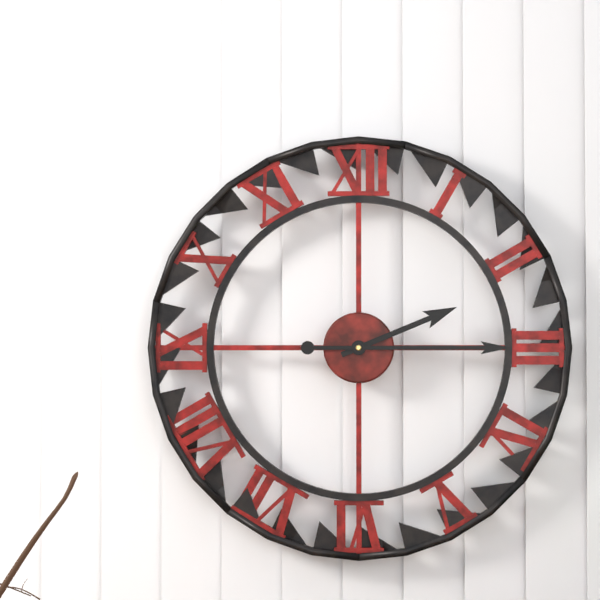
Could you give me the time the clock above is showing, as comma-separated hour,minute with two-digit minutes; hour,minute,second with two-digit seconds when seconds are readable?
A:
2,15
